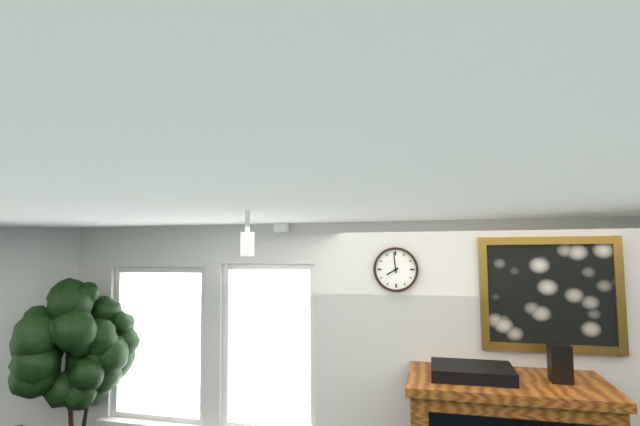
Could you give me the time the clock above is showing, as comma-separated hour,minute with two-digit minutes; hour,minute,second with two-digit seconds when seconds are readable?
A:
7,59
